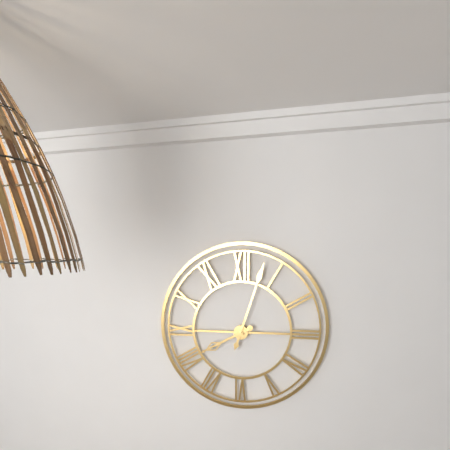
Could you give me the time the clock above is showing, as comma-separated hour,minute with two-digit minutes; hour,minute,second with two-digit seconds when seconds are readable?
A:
8,03
